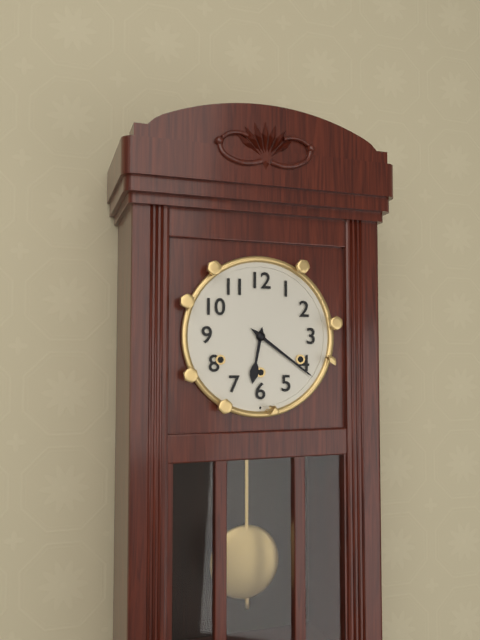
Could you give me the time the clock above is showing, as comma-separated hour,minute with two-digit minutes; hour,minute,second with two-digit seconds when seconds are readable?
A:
6,21
